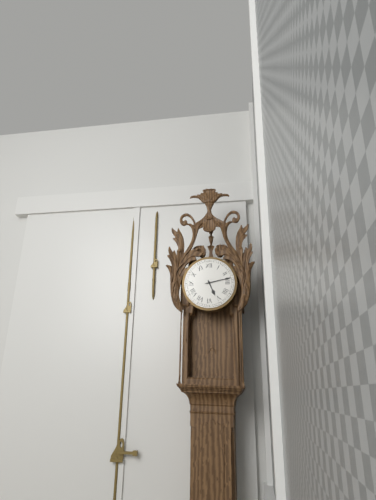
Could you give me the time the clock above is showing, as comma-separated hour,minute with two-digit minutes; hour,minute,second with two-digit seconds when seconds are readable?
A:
5,13
